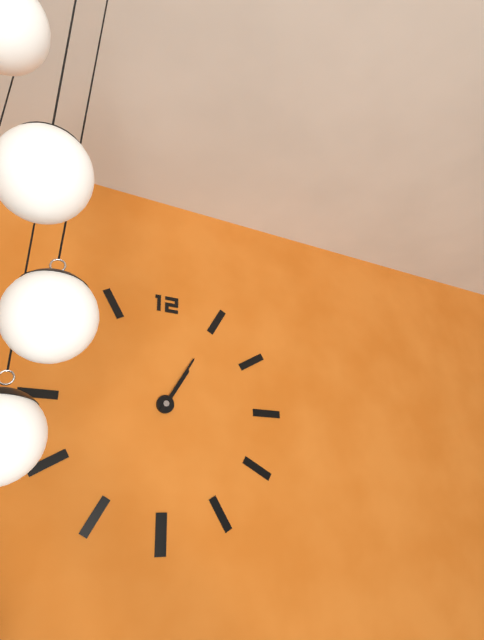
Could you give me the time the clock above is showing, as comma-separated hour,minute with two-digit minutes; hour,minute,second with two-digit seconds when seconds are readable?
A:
1,05
